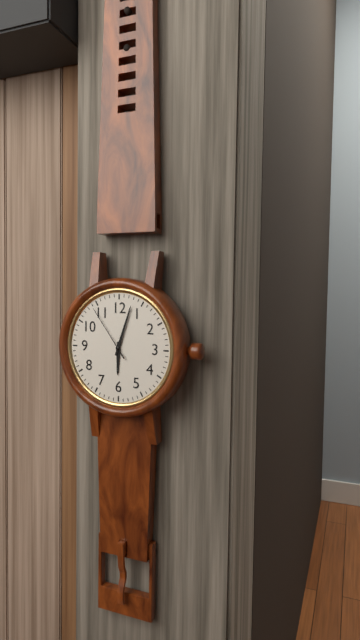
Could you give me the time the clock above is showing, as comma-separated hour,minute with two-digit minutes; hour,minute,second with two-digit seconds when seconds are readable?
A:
6,03,54
